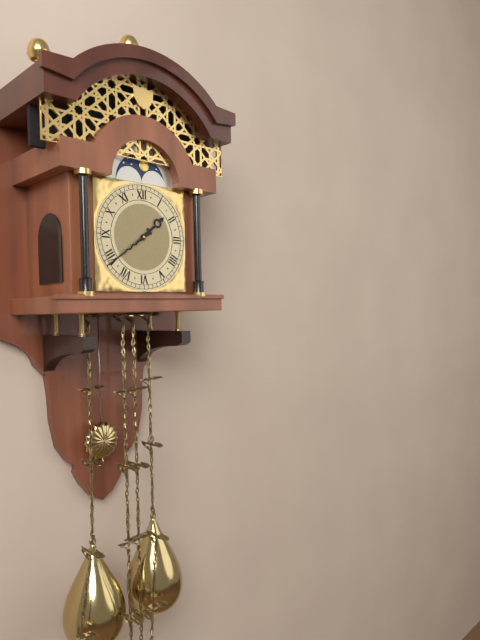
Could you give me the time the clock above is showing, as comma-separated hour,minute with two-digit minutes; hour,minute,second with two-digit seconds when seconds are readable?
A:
1,39
